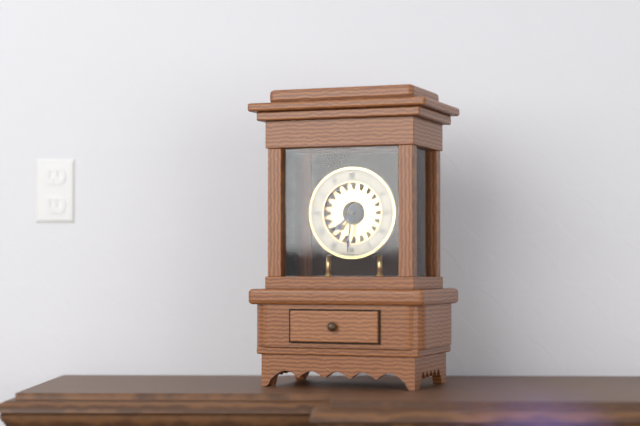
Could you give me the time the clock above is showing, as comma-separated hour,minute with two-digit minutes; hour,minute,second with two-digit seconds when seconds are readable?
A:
7,31
